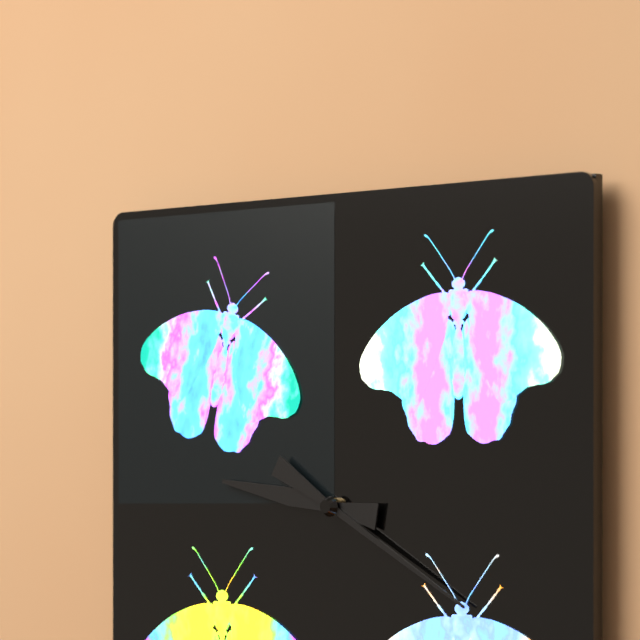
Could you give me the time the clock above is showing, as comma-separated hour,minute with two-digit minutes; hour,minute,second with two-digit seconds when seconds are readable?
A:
9,20
